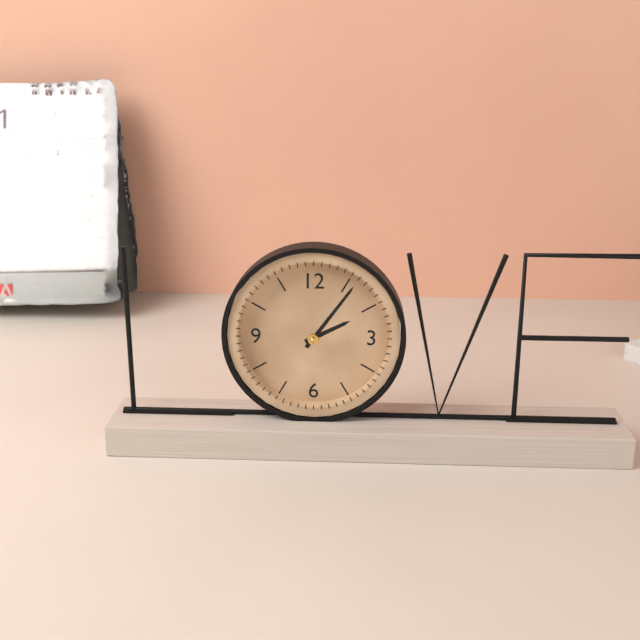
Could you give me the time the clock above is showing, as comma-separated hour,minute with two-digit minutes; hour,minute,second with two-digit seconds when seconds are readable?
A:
2,06
